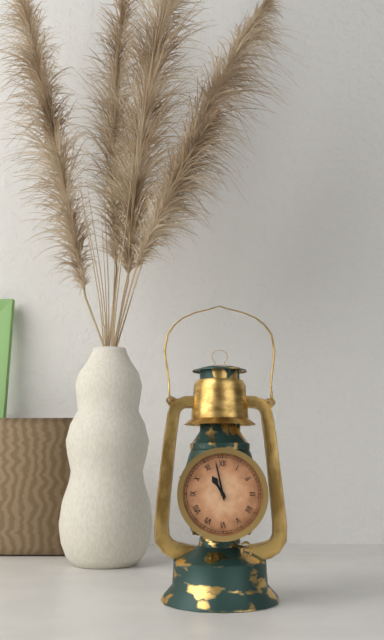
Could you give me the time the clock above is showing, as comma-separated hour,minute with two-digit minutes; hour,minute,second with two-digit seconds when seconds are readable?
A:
10,58
